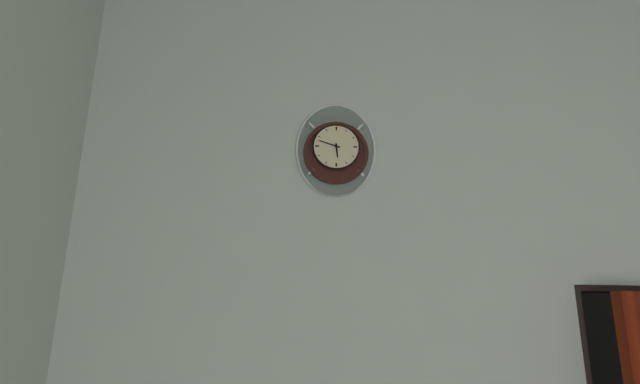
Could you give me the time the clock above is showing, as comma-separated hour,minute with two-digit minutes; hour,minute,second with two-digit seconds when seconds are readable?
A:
5,48
